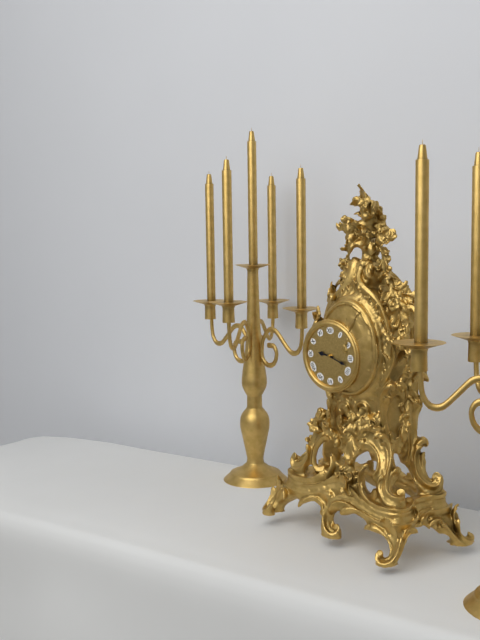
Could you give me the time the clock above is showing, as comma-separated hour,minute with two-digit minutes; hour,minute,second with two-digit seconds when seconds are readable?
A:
9,18
